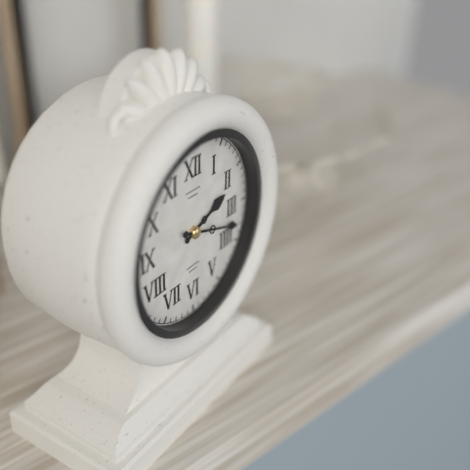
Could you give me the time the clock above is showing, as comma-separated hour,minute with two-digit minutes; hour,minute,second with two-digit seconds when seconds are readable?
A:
2,18
